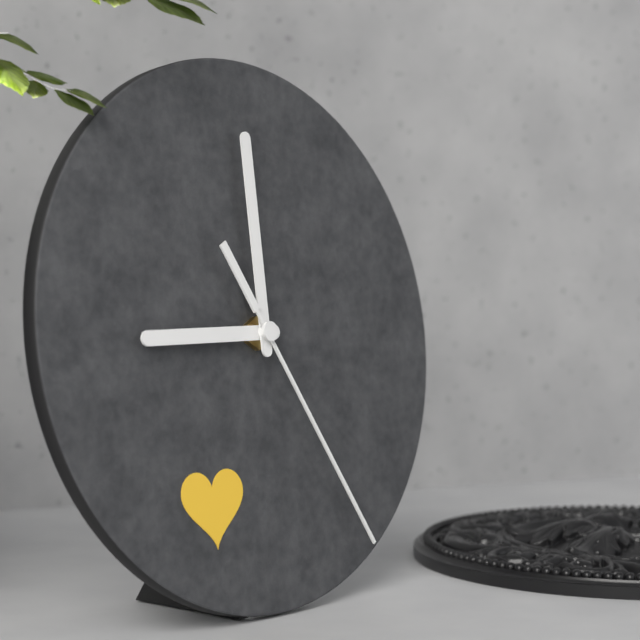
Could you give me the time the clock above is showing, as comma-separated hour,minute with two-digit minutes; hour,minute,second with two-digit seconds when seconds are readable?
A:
9,00,25
